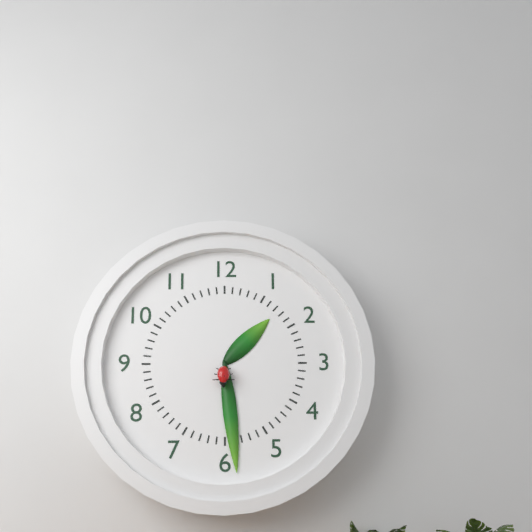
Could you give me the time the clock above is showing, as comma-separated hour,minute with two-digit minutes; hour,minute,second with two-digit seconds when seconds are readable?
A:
1,29
